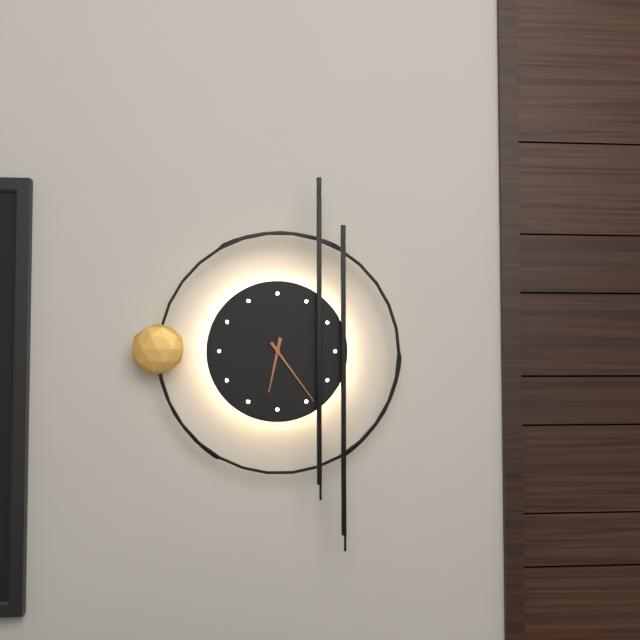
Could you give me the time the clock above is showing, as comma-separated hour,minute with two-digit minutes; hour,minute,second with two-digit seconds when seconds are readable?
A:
6,24
